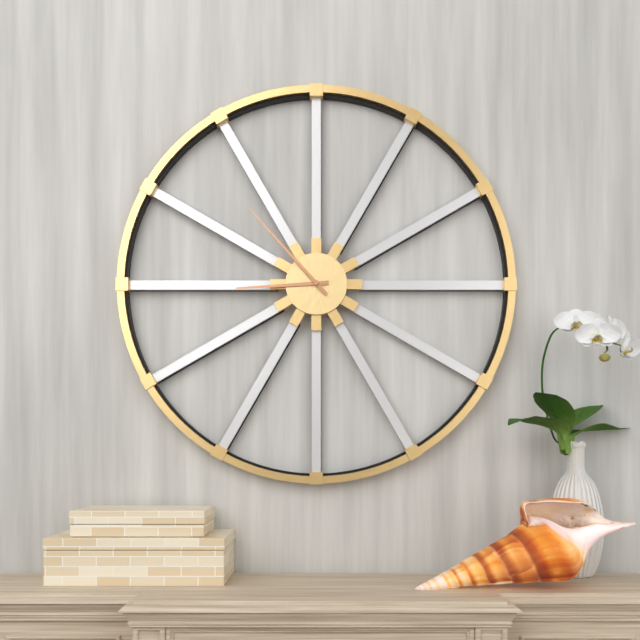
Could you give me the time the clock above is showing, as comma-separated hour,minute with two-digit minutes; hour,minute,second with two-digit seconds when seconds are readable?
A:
8,53
